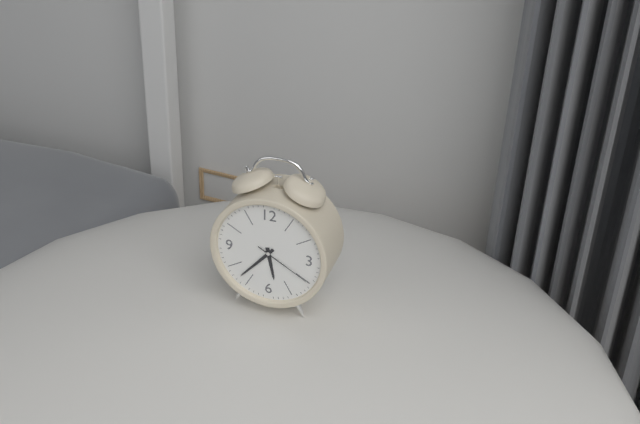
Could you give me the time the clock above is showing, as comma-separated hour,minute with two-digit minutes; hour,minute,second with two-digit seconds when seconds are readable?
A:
5,37,20
